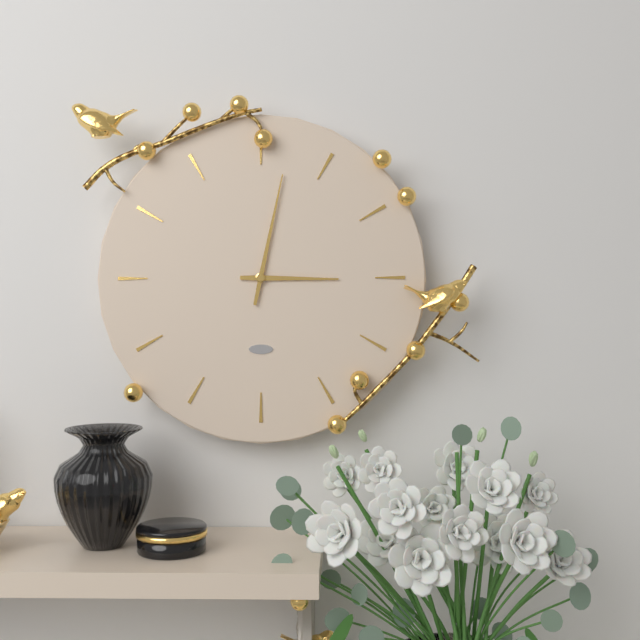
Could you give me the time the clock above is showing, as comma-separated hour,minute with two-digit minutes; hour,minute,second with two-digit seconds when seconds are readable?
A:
3,02
